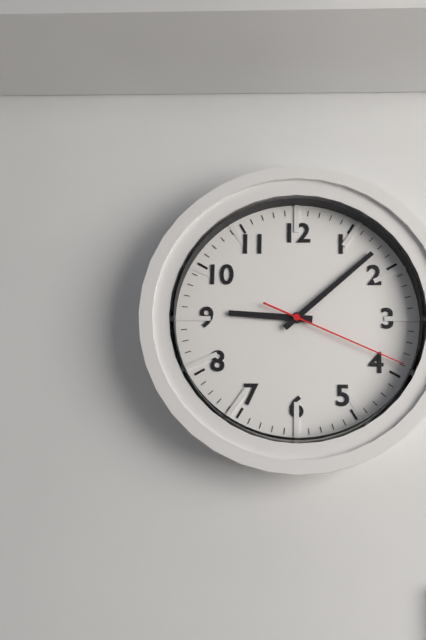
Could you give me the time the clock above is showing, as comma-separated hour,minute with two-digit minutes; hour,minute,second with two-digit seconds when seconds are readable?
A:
9,08,19
